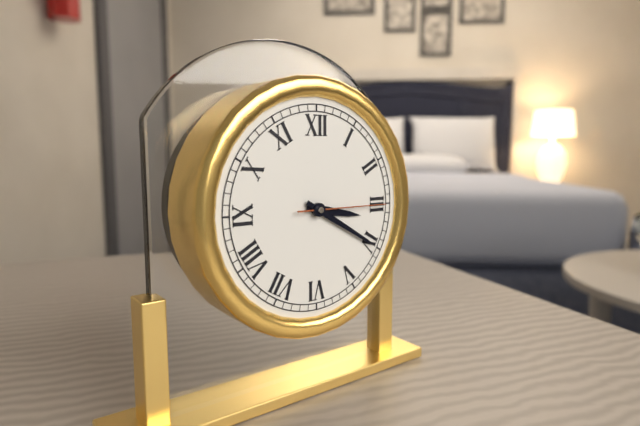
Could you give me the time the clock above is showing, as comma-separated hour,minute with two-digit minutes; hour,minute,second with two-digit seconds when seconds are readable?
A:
3,20,15
